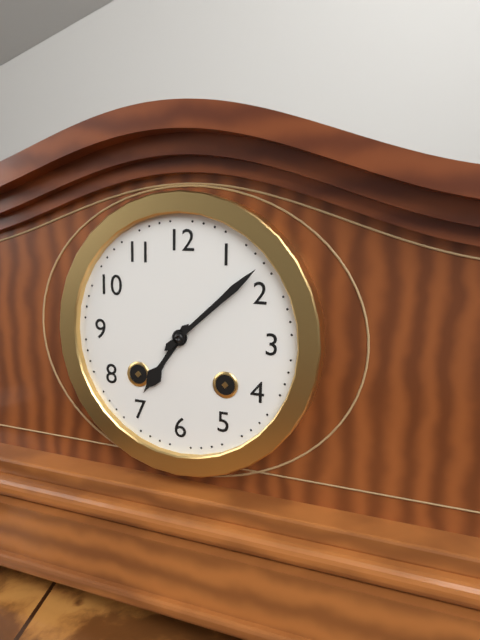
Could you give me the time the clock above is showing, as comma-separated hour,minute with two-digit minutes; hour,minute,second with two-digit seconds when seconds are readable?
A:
7,08
